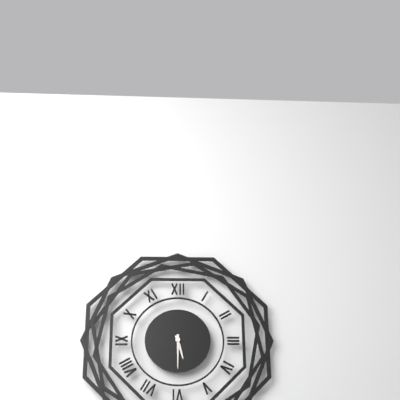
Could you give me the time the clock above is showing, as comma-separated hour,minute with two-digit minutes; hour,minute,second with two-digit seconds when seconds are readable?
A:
5,30
